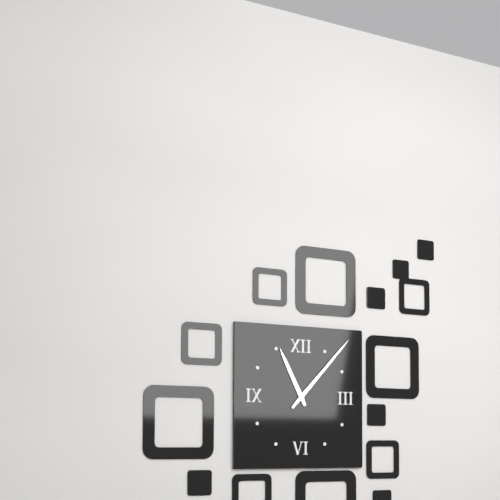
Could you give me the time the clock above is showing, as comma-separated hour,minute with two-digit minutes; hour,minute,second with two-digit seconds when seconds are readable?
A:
11,07
